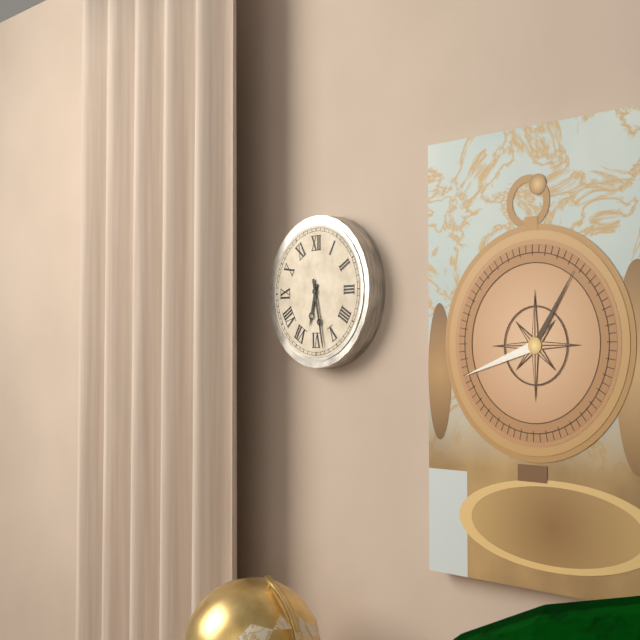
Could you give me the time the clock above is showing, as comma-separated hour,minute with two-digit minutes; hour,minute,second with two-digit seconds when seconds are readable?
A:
6,28
